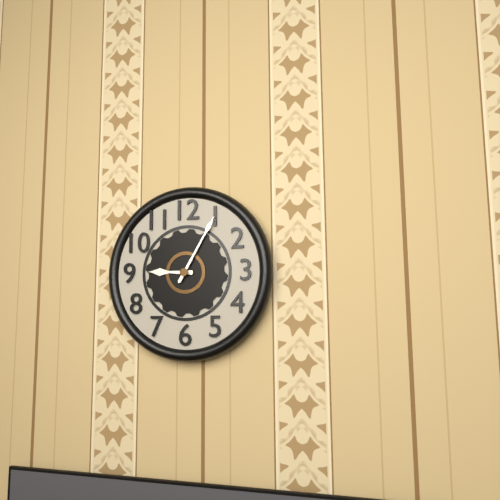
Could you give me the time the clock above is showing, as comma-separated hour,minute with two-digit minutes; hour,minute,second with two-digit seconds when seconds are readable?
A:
9,05
